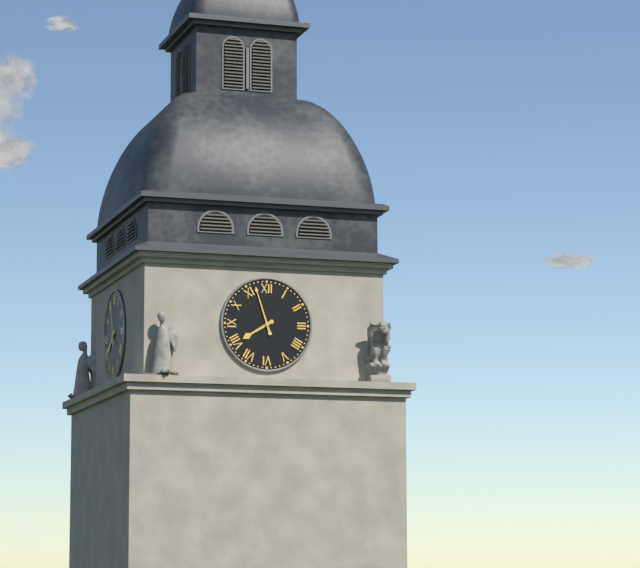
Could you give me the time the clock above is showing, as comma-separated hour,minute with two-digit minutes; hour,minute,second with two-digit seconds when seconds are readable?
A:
7,57
